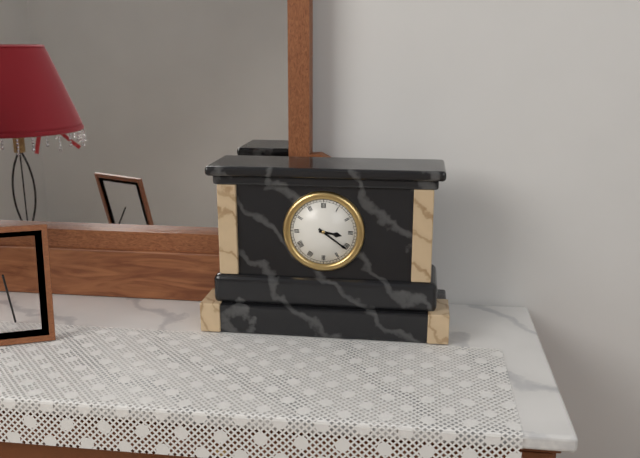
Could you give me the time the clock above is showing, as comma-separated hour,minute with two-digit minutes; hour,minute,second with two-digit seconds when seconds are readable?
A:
3,21
